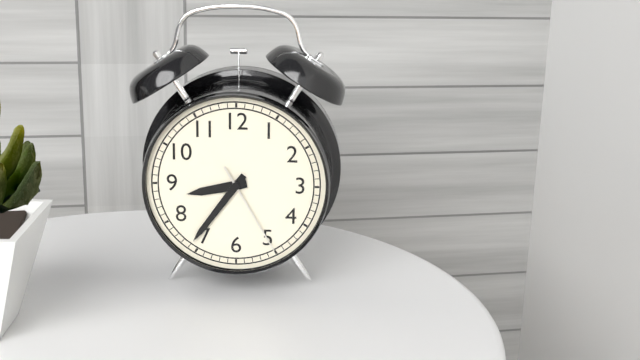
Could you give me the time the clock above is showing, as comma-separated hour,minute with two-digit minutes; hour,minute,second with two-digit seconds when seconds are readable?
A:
8,36,25
